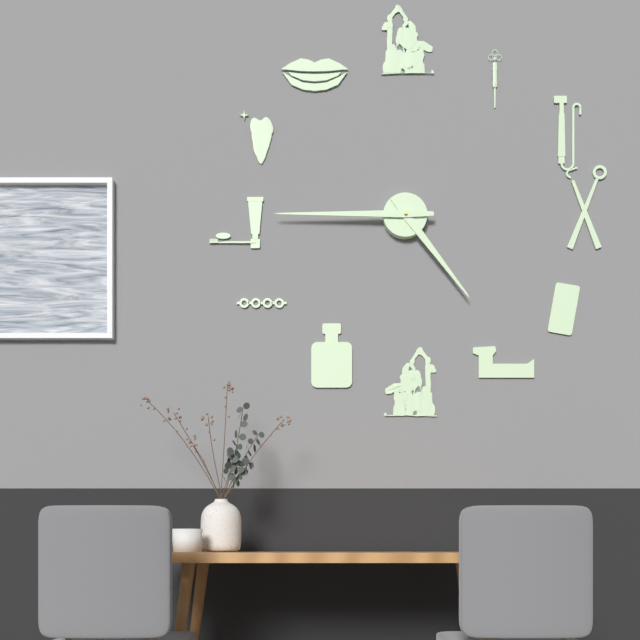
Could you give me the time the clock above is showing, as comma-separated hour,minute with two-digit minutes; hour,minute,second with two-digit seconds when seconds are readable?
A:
4,45
